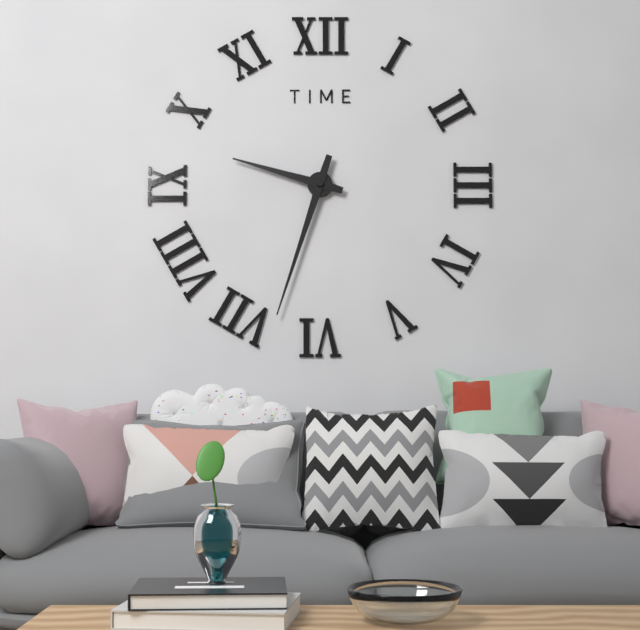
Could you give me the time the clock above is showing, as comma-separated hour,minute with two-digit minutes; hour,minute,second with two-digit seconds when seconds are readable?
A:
9,33
